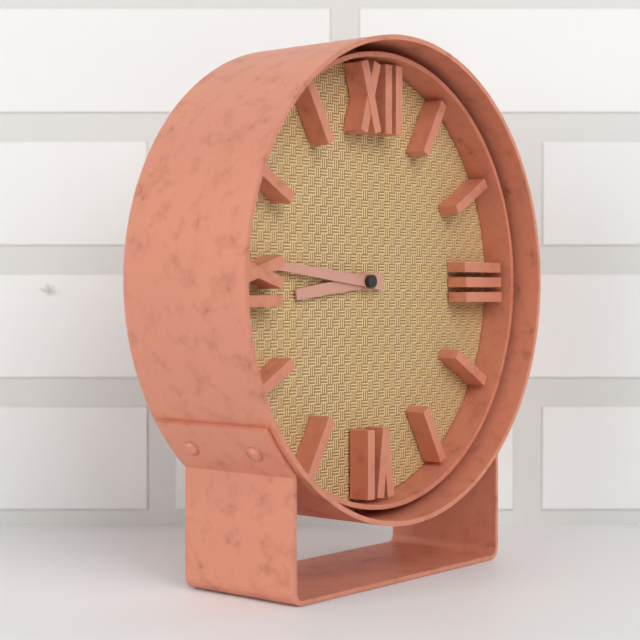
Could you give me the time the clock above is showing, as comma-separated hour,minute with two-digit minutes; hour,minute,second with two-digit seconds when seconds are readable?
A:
8,46
